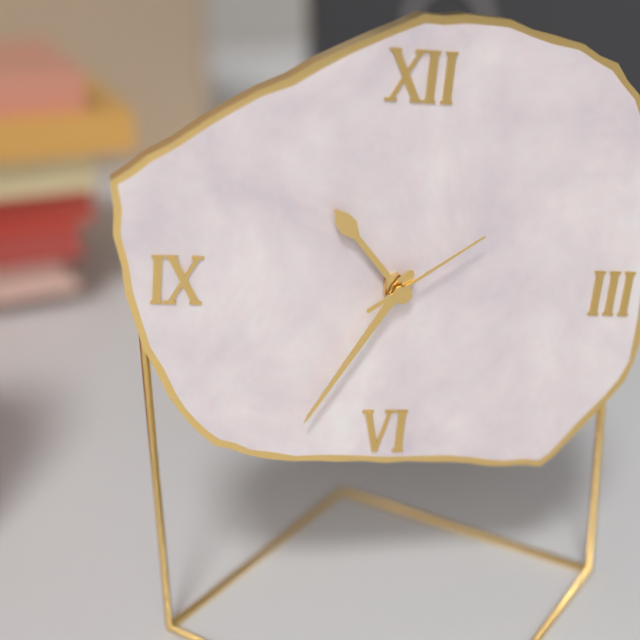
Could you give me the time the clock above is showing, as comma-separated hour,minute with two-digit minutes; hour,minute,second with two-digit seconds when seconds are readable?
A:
10,35,09
